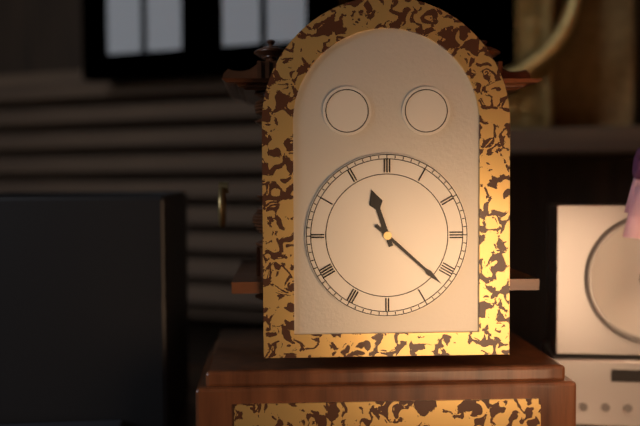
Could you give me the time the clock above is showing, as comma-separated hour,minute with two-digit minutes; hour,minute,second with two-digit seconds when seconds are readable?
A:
11,22
